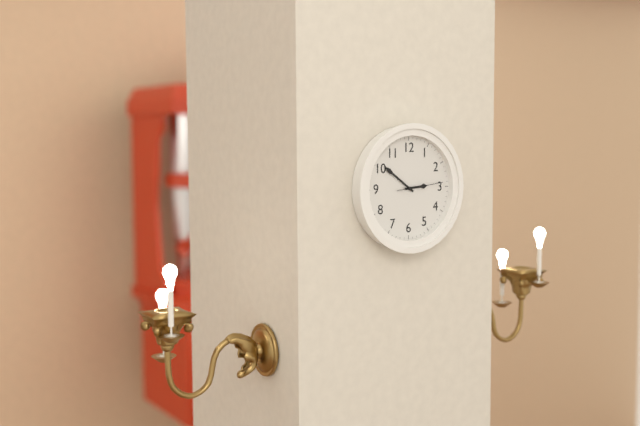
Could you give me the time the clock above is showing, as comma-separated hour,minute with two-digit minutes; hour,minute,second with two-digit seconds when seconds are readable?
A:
2,51
